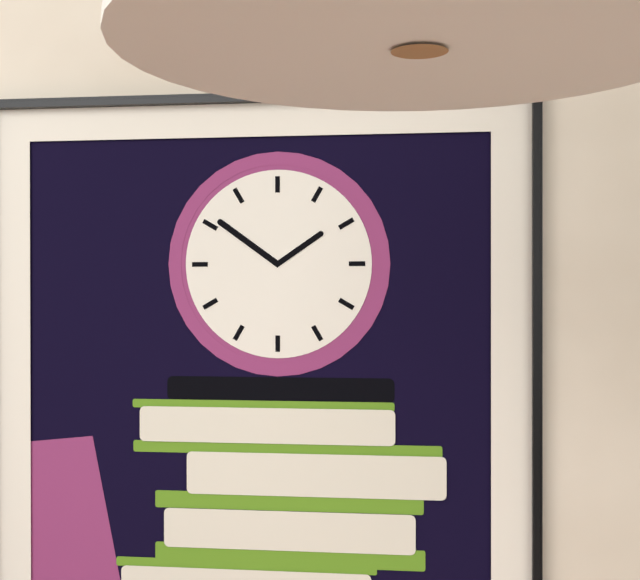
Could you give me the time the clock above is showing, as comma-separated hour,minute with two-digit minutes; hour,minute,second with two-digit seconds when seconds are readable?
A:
1,51
